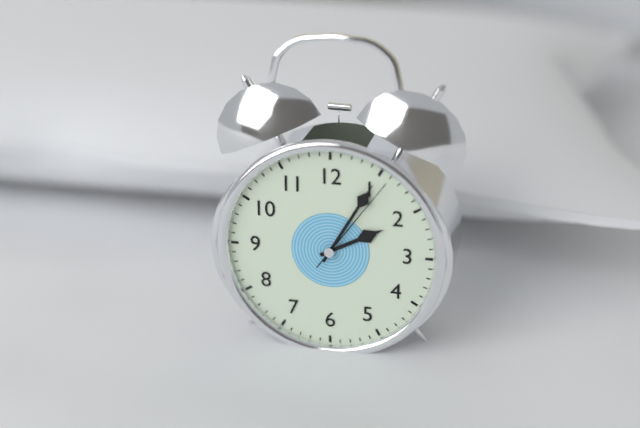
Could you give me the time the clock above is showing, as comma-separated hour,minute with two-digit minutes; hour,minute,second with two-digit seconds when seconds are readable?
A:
2,05,06
